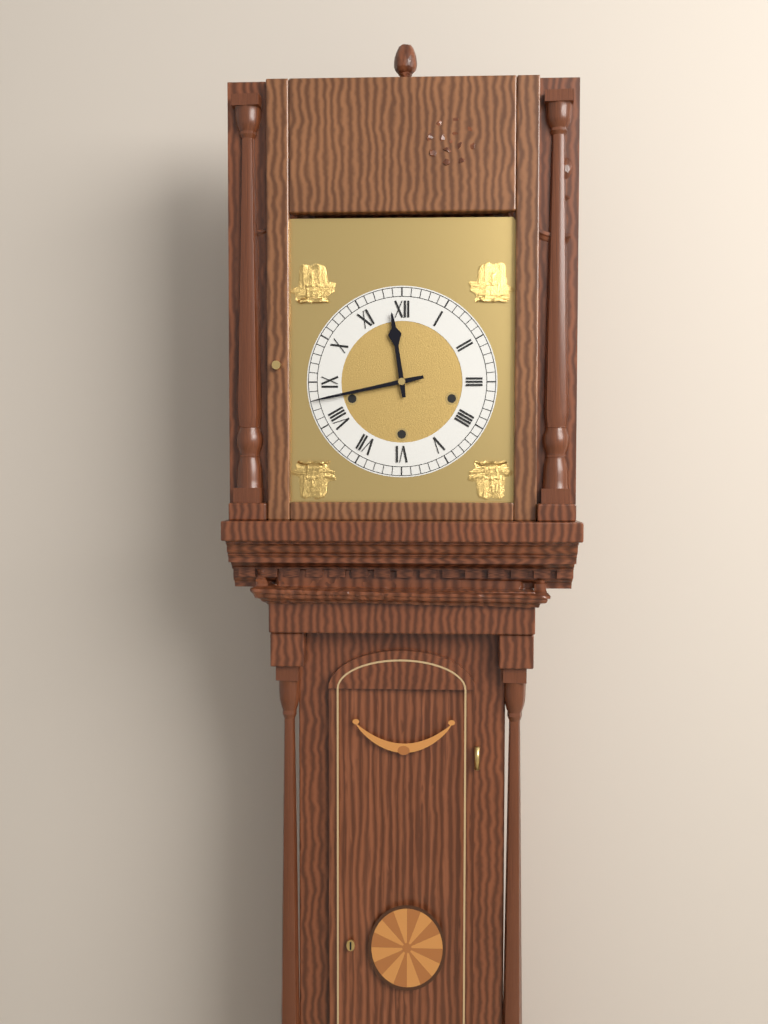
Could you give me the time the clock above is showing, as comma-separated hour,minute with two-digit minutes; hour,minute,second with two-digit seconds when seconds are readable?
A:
11,43
